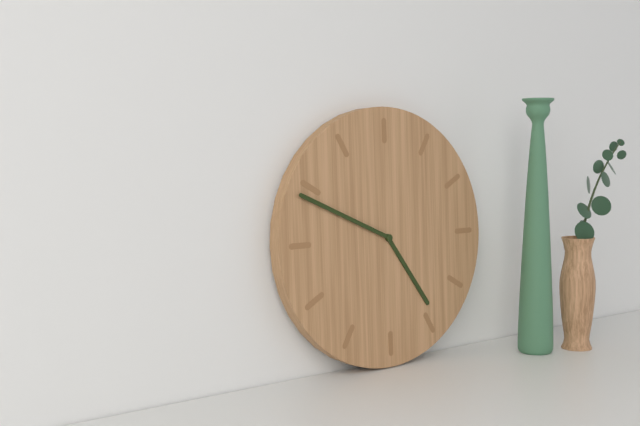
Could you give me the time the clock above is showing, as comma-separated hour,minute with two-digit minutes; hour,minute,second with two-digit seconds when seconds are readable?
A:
4,49
